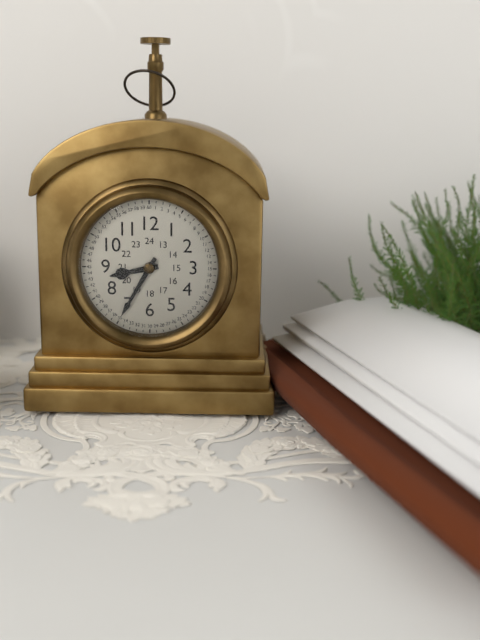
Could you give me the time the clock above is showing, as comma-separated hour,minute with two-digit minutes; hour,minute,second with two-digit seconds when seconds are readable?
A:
8,35
